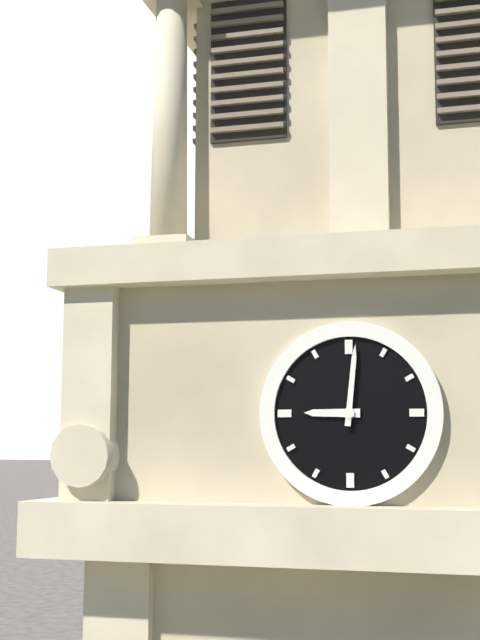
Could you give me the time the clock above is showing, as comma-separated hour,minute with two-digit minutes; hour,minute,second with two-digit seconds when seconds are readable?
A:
9,01
